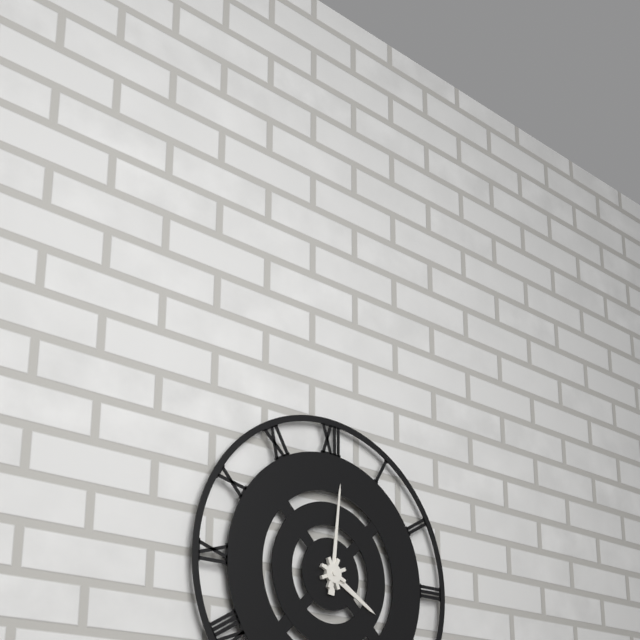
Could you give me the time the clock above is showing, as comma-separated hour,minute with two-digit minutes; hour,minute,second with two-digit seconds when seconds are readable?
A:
4,01
